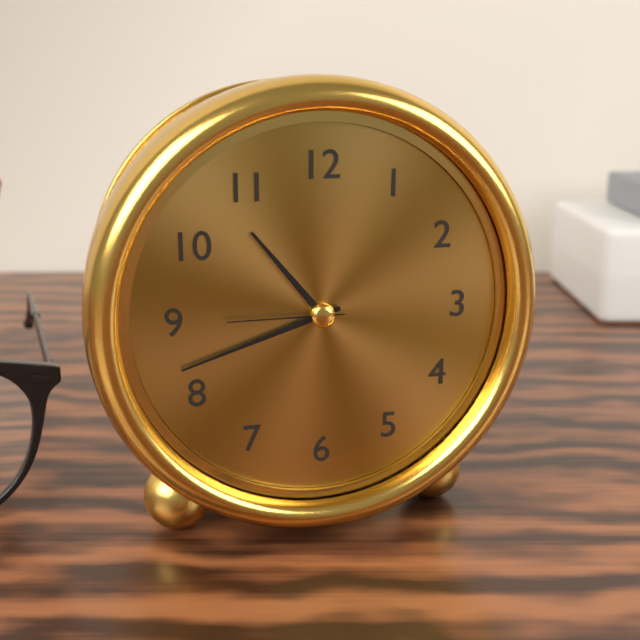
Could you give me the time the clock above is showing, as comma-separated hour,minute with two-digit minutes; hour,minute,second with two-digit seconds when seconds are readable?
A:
10,42,45
